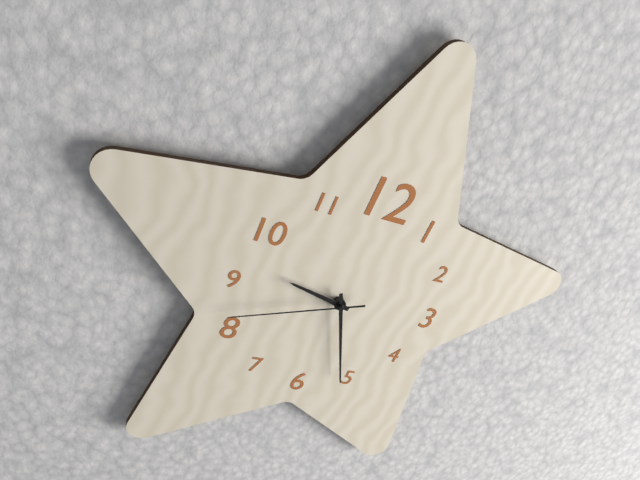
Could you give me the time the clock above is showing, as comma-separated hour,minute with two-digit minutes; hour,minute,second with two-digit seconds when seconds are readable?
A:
9,26,42
